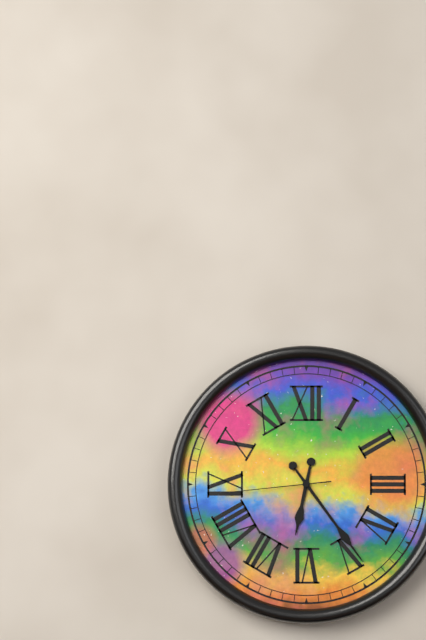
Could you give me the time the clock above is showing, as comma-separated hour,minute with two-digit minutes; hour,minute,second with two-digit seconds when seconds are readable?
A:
6,24,44
